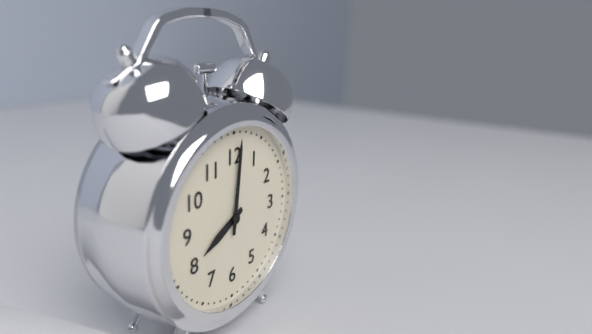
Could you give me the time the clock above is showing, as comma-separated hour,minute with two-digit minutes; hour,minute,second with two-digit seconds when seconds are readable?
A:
8,01
